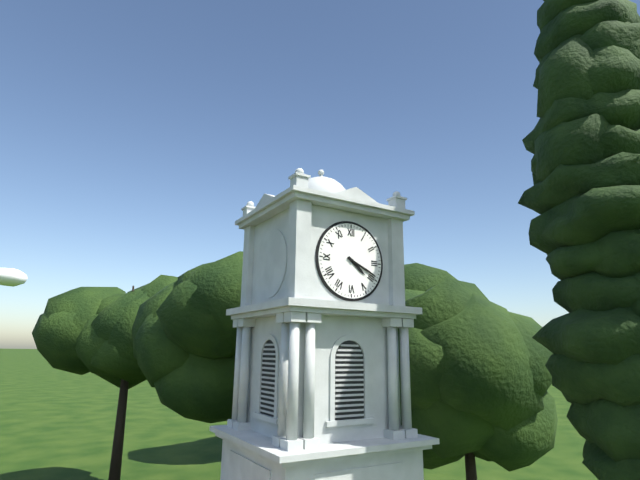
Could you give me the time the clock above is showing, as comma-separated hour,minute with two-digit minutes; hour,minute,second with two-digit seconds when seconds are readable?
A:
4,19
